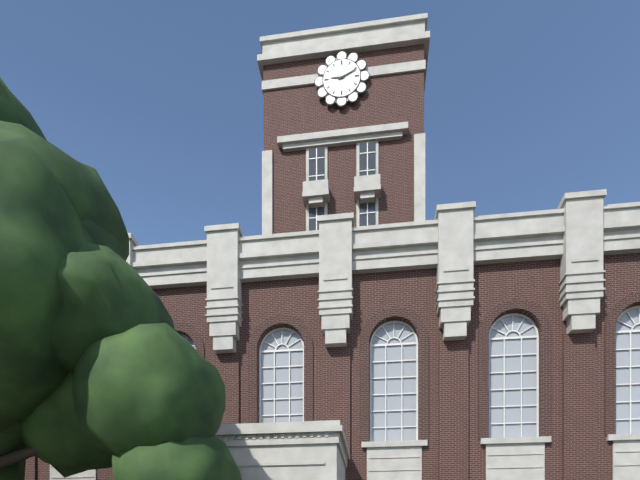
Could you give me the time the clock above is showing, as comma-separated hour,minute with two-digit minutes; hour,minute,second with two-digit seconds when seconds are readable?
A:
9,11
